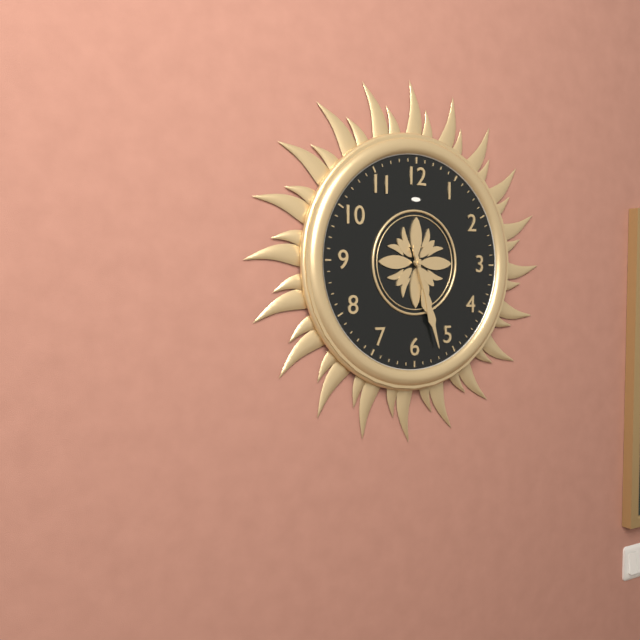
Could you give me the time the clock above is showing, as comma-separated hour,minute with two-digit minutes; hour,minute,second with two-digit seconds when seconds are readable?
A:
5,27
